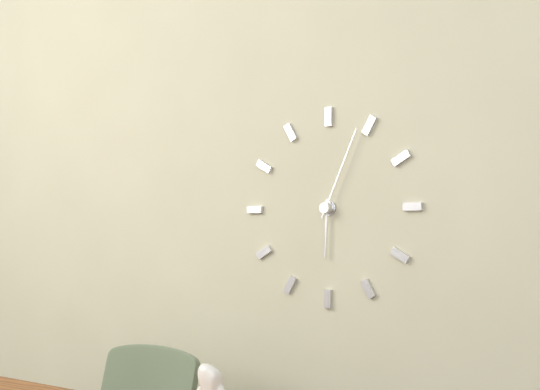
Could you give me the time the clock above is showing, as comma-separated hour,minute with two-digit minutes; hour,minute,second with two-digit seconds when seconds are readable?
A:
6,04
